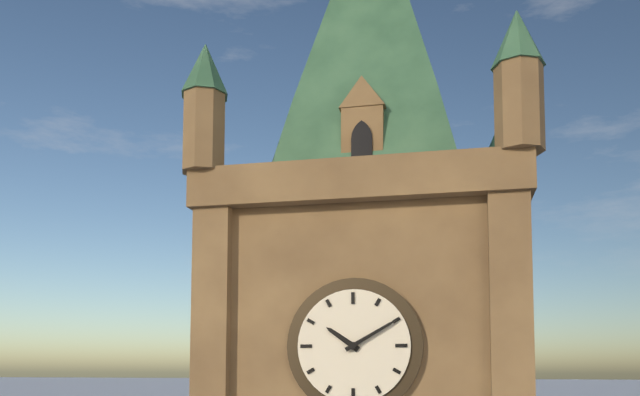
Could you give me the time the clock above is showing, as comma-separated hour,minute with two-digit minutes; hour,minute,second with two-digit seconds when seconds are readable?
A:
10,10
